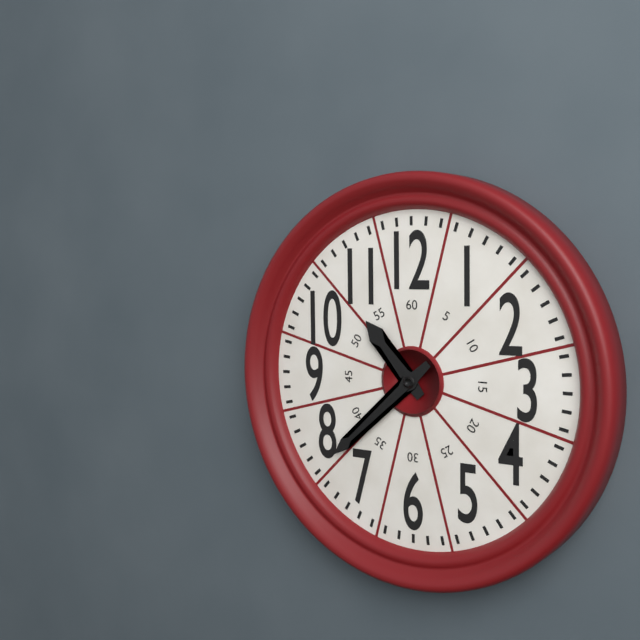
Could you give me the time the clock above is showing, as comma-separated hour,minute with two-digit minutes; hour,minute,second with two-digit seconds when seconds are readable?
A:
10,38
